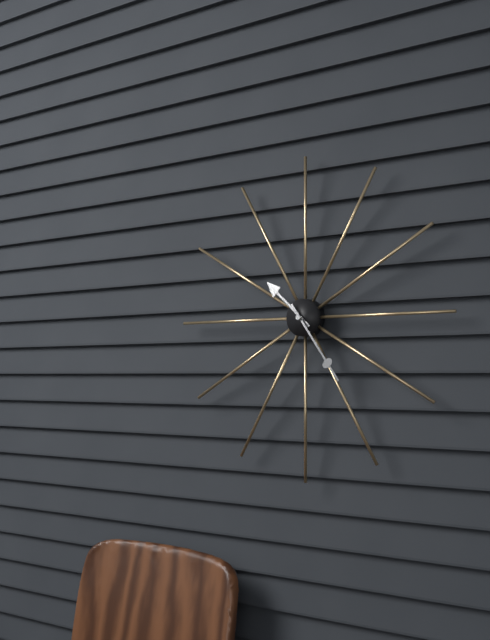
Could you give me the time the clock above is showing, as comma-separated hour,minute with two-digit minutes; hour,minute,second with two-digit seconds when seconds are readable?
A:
10,24
